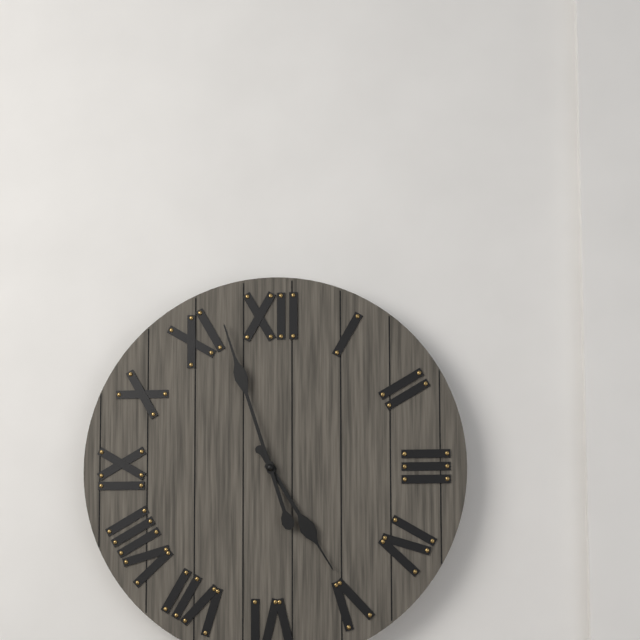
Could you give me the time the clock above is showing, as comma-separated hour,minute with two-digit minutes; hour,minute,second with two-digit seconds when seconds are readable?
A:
4,57
